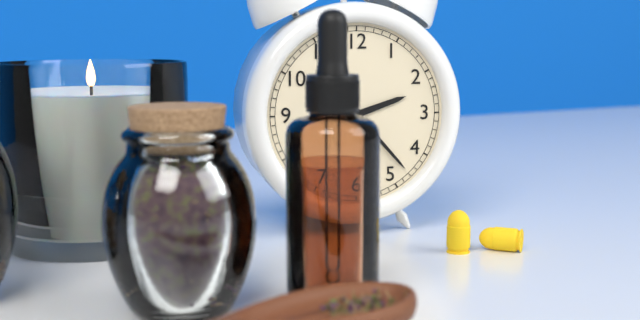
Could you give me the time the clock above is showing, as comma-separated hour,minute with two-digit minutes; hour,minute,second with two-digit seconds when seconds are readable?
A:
2,23
